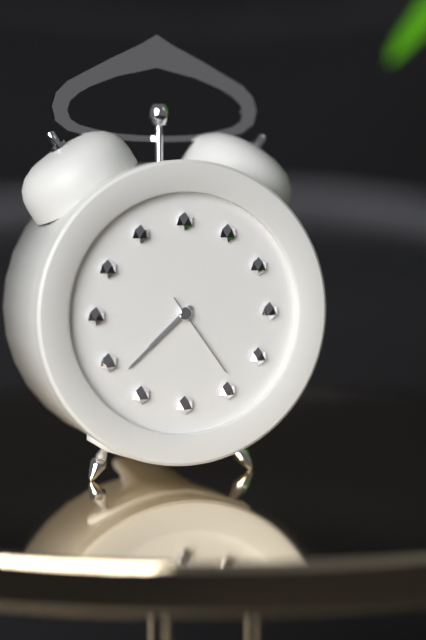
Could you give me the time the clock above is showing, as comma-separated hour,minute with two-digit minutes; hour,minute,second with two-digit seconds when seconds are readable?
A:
7,38,24
